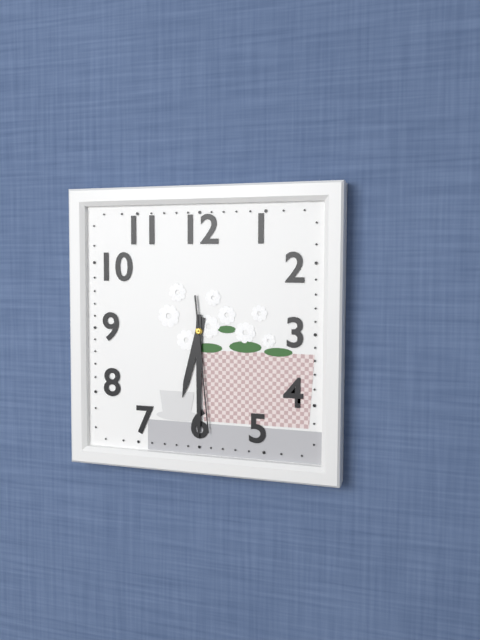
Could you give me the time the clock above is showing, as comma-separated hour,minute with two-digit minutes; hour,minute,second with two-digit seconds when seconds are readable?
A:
6,30,29
